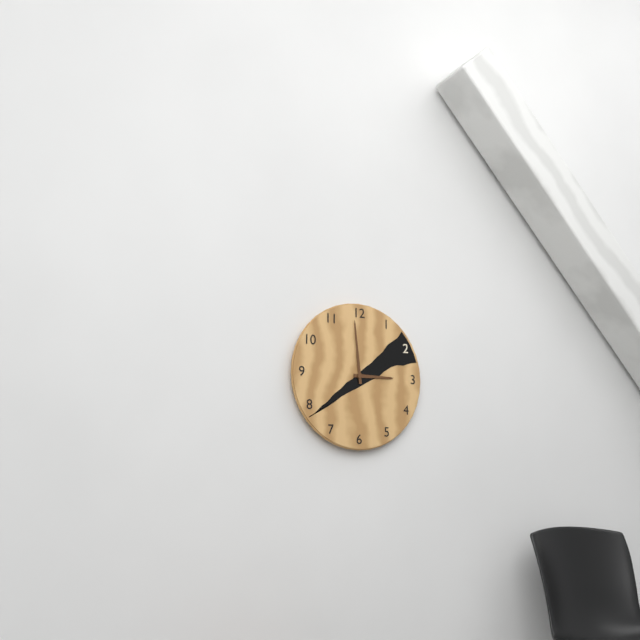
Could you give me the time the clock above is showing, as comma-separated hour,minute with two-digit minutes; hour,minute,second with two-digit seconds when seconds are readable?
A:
2,59
